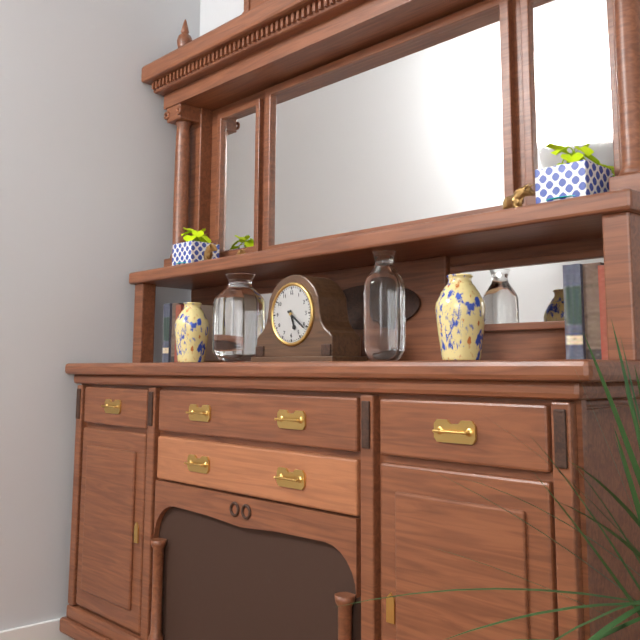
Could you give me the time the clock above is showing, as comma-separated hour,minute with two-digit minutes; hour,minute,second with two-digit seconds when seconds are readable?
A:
5,21
